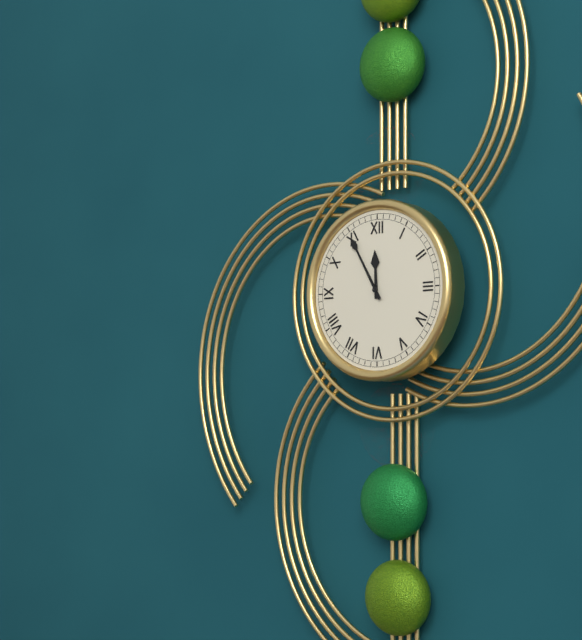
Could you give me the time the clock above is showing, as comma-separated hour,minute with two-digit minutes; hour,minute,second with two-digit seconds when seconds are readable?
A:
11,55
